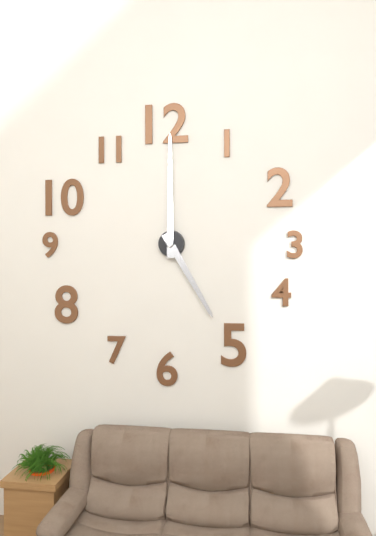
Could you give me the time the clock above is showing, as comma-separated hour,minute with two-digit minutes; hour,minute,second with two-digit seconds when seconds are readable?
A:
5,00
